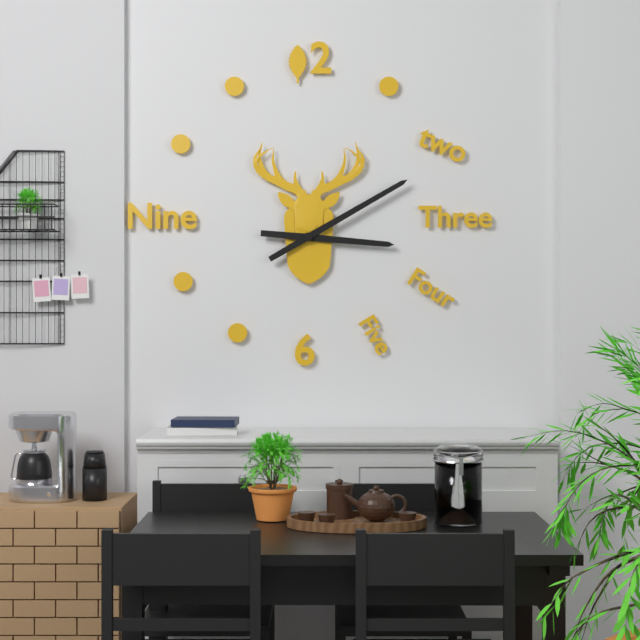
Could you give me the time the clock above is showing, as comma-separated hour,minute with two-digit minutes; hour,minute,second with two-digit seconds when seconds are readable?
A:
3,10
